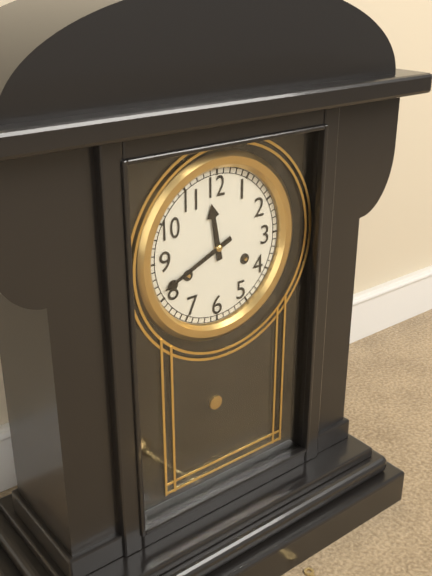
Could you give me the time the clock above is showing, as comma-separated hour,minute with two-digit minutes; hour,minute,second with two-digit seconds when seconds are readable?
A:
11,41
